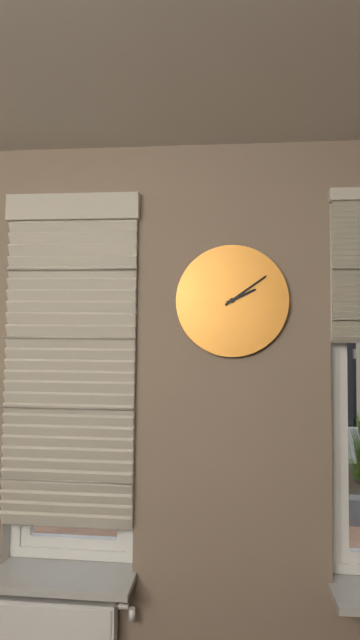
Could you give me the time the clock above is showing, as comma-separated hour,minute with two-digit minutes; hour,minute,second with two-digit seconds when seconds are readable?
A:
2,09
